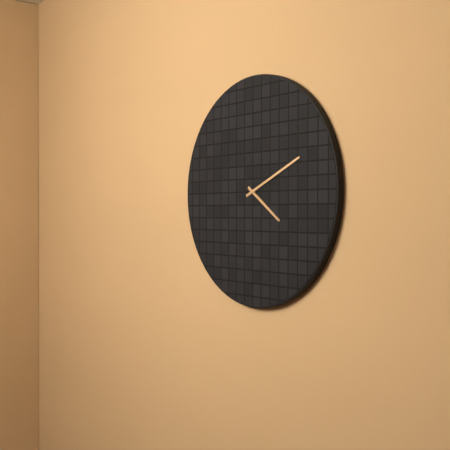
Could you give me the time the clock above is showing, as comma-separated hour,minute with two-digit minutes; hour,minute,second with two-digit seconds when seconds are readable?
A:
4,11
